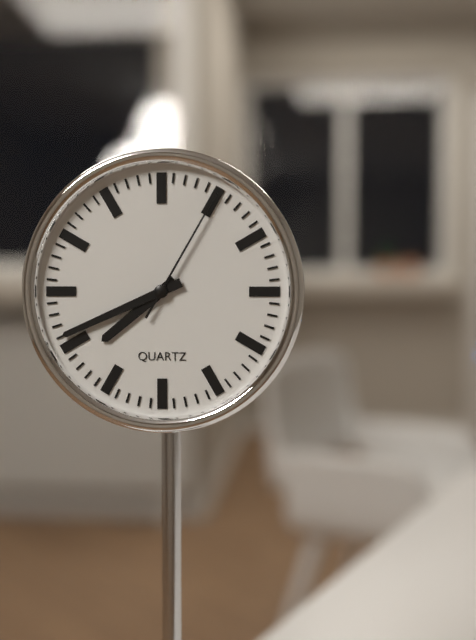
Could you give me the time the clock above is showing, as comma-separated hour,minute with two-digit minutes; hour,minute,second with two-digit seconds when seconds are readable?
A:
7,41,05
